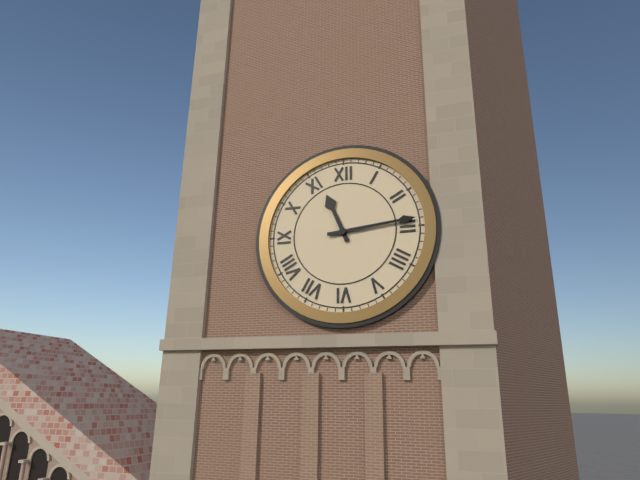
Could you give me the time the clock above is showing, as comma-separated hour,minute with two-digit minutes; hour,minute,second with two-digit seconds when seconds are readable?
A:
11,14
